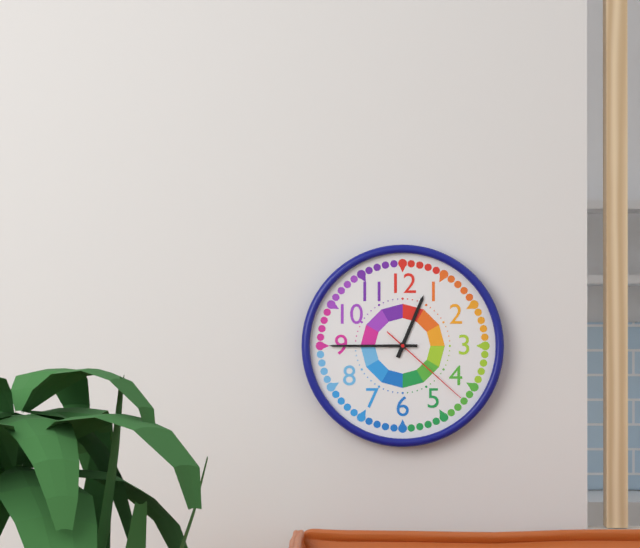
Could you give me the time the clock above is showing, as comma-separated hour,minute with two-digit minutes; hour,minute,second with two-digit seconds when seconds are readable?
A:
12,45,22
